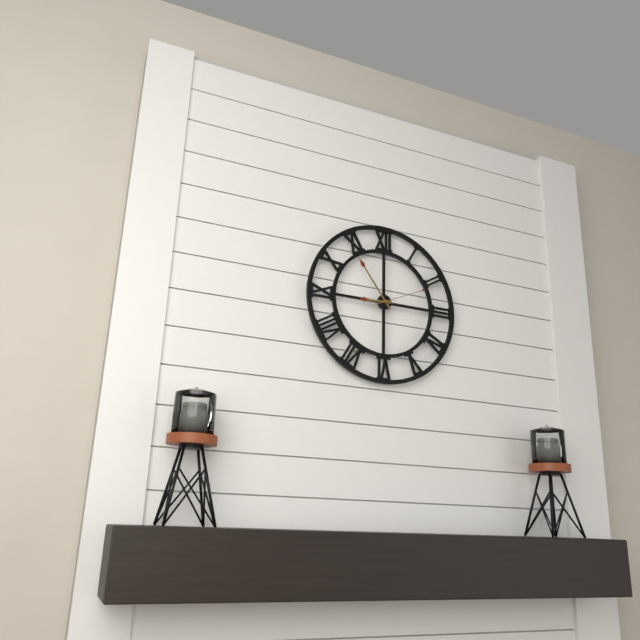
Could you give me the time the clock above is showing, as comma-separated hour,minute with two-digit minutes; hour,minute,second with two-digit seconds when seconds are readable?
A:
8,54,11
